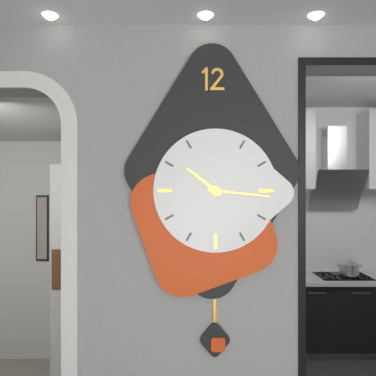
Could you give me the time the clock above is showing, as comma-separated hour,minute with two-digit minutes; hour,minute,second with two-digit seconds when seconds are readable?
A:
10,16
